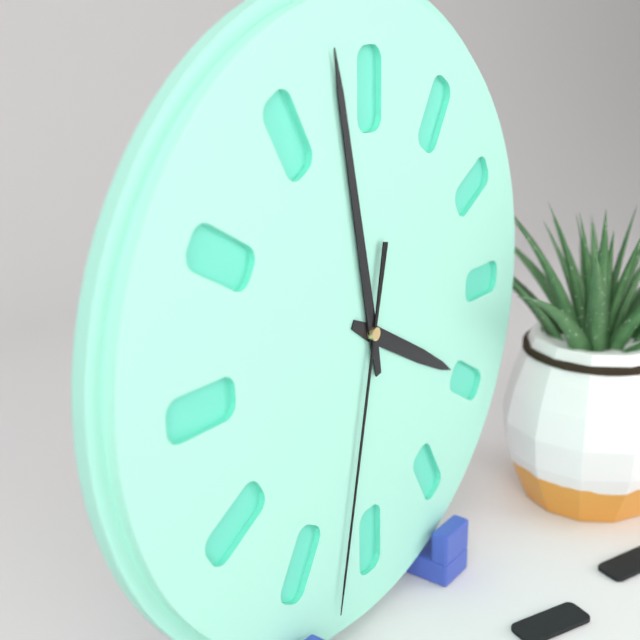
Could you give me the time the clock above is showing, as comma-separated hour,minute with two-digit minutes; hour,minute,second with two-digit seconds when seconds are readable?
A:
3,58,32
